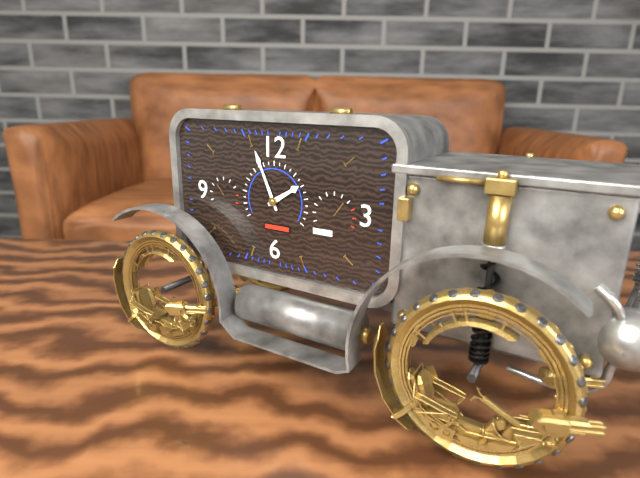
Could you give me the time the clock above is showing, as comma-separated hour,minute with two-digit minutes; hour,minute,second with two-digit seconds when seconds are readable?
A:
1,56
